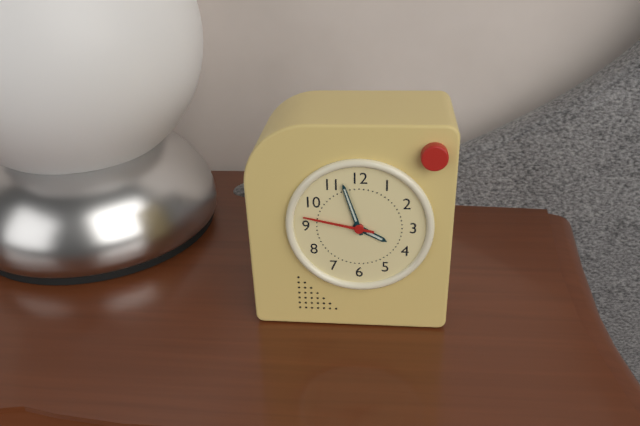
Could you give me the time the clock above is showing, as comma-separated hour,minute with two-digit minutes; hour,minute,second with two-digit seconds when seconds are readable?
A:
3,57,47
